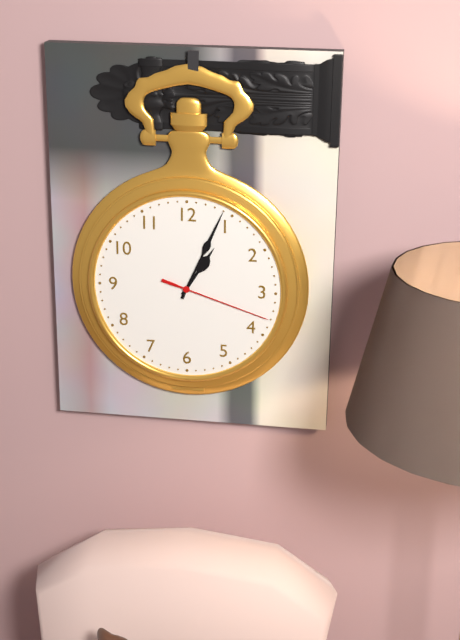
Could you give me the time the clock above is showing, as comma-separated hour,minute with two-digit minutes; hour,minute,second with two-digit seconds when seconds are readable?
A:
1,04,18
